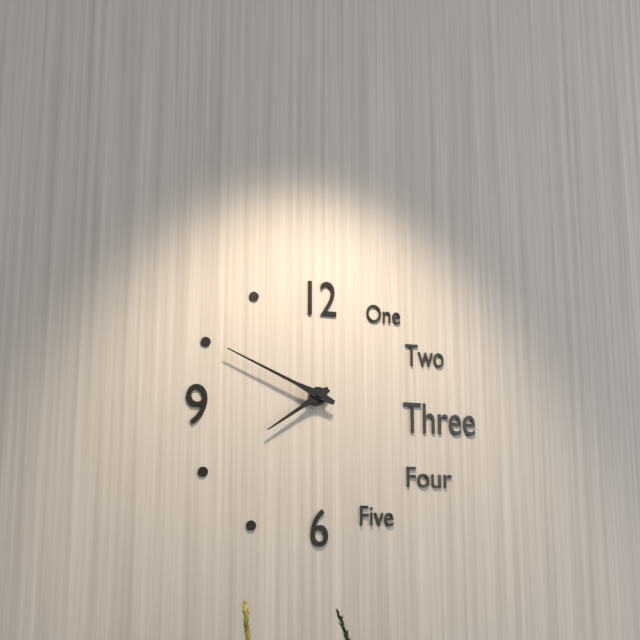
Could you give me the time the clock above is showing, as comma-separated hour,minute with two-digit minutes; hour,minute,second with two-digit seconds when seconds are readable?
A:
7,49
